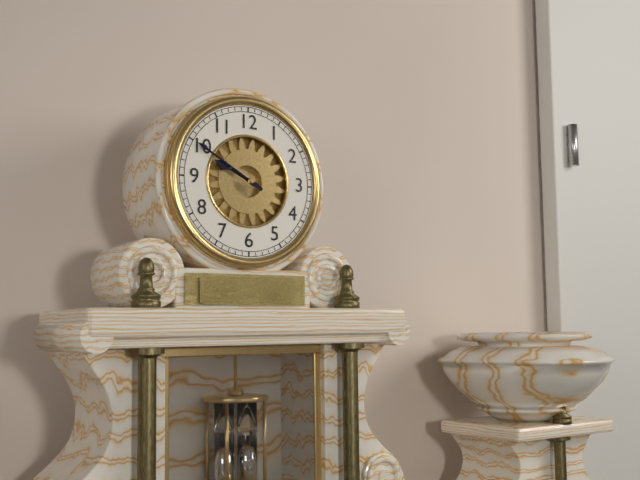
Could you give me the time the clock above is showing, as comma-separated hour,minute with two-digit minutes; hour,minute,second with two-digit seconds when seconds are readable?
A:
9,50
